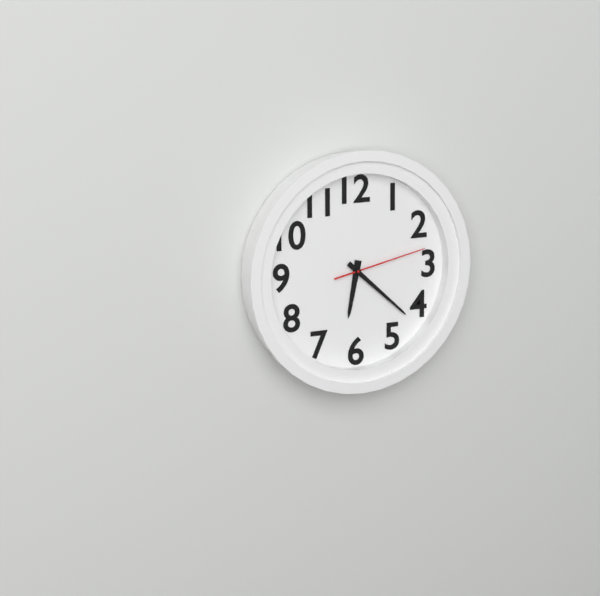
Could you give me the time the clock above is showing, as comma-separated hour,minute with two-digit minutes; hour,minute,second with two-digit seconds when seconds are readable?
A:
6,22,13
